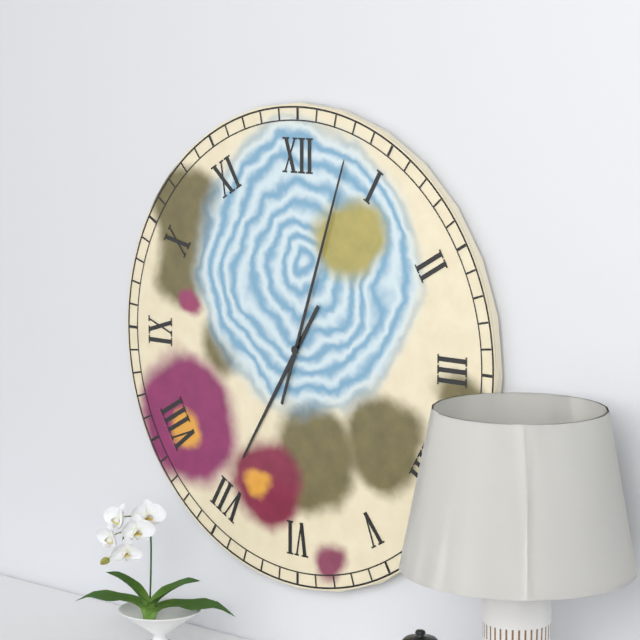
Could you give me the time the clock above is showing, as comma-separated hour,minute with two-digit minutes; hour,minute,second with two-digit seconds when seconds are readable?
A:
7,03
